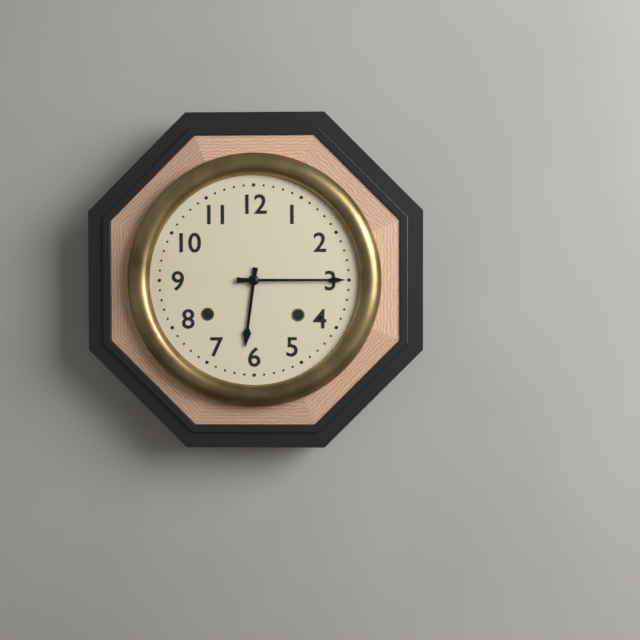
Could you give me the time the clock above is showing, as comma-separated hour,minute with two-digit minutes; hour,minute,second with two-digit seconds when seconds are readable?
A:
6,15
